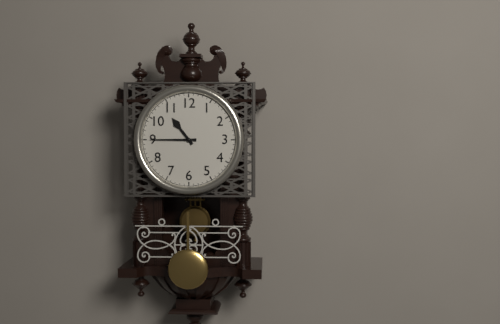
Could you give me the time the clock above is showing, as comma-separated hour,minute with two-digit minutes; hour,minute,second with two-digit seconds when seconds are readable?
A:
10,45
